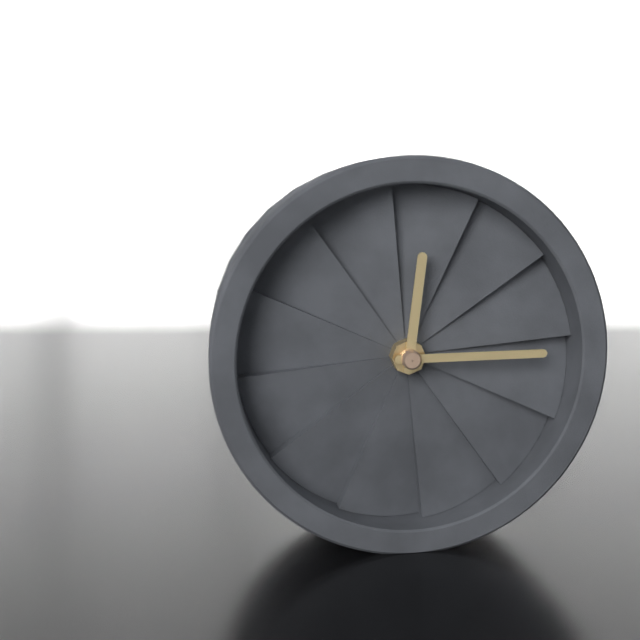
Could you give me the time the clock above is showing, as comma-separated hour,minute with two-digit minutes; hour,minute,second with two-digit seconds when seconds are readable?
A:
12,15
